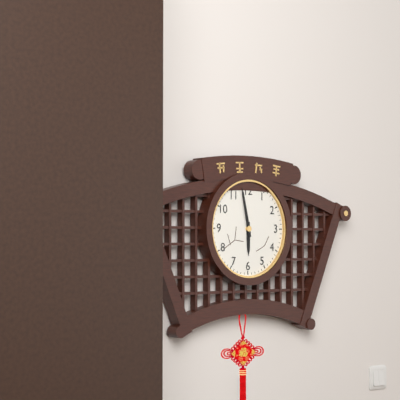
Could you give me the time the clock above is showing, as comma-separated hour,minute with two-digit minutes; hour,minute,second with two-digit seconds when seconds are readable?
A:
5,58
